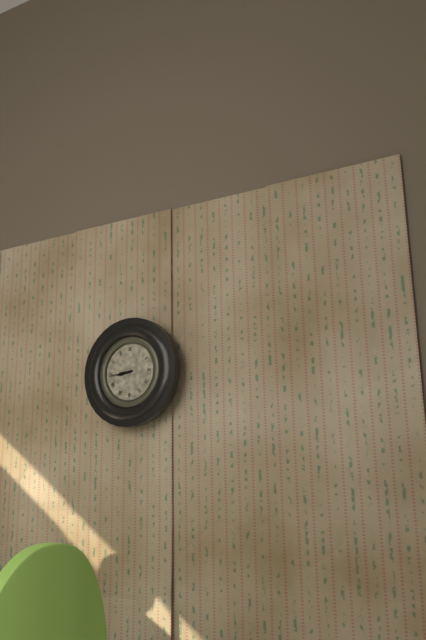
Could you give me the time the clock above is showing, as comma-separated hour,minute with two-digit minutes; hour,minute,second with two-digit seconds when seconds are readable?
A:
8,44
